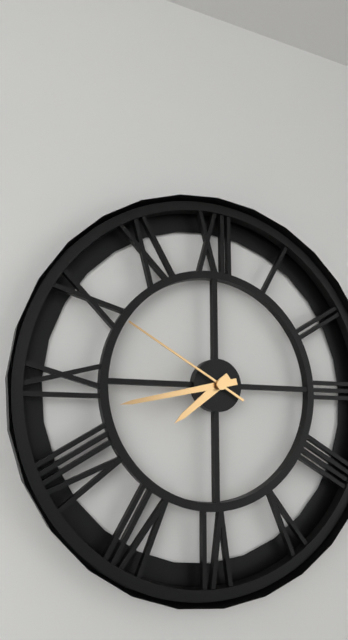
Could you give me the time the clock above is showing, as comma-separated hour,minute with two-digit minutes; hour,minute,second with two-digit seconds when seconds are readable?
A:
7,43,50
